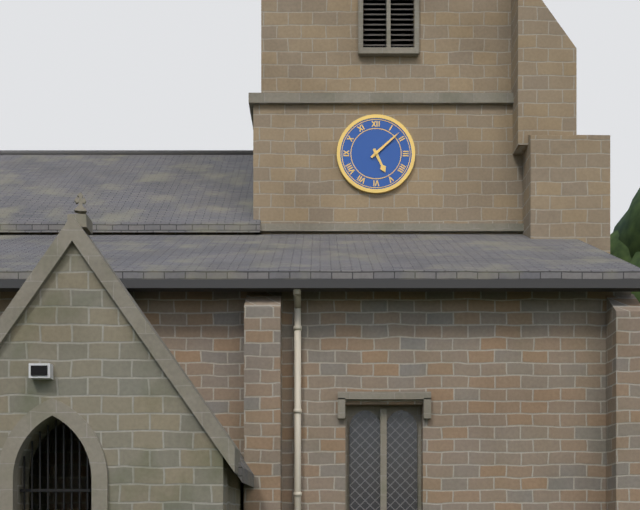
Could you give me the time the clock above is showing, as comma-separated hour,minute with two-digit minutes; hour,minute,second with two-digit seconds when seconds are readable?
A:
5,08
